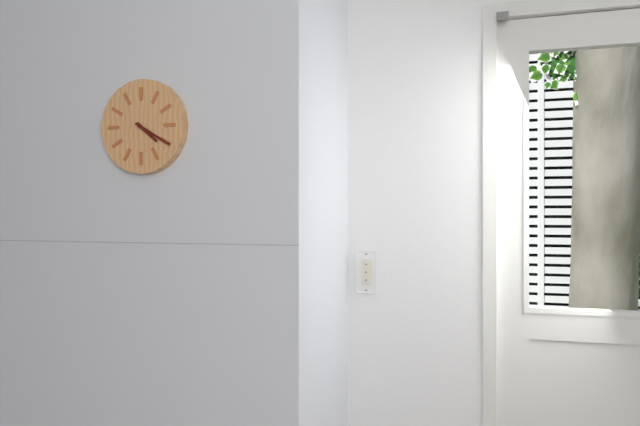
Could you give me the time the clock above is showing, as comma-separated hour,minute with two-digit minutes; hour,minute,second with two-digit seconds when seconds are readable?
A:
4,20
